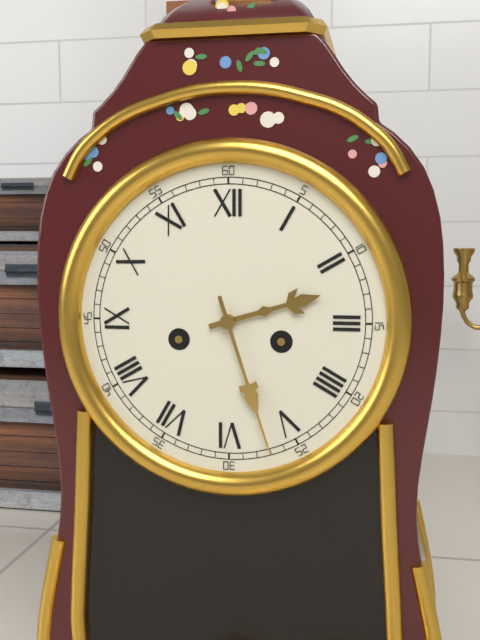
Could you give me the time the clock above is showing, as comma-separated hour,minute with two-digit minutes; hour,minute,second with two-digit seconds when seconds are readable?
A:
2,27
